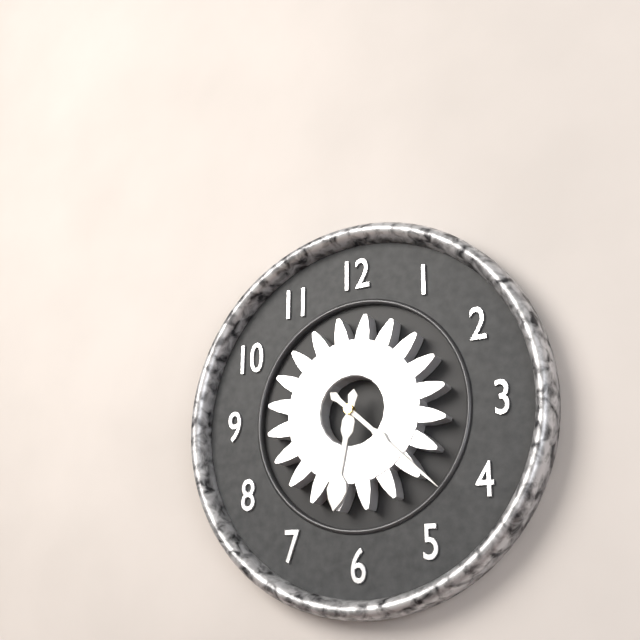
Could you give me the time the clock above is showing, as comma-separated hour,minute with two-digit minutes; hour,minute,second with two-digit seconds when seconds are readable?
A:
6,22
